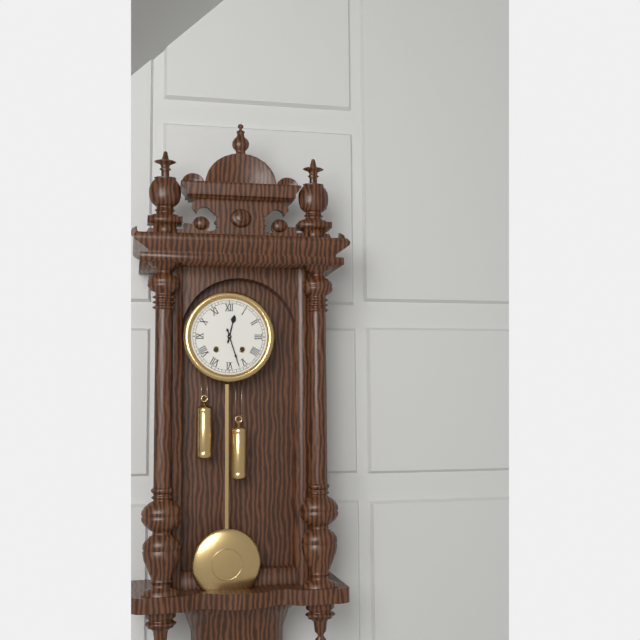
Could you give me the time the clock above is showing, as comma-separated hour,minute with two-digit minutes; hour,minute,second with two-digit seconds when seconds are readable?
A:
12,27
